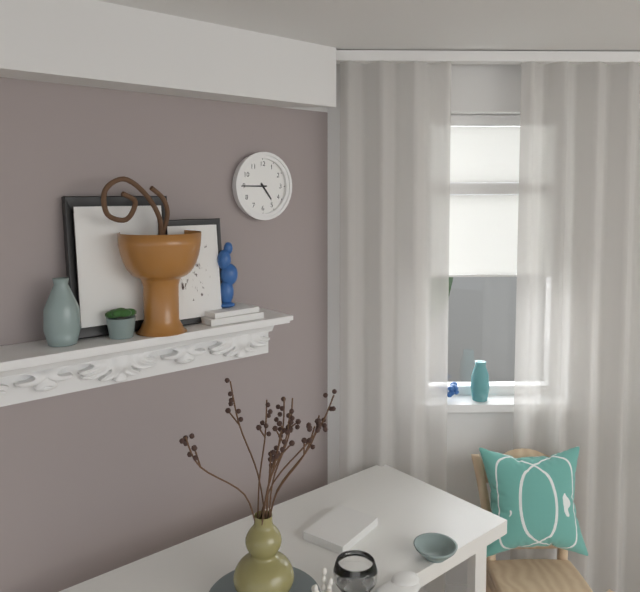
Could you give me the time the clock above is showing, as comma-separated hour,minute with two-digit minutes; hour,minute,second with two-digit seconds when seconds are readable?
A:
4,45
